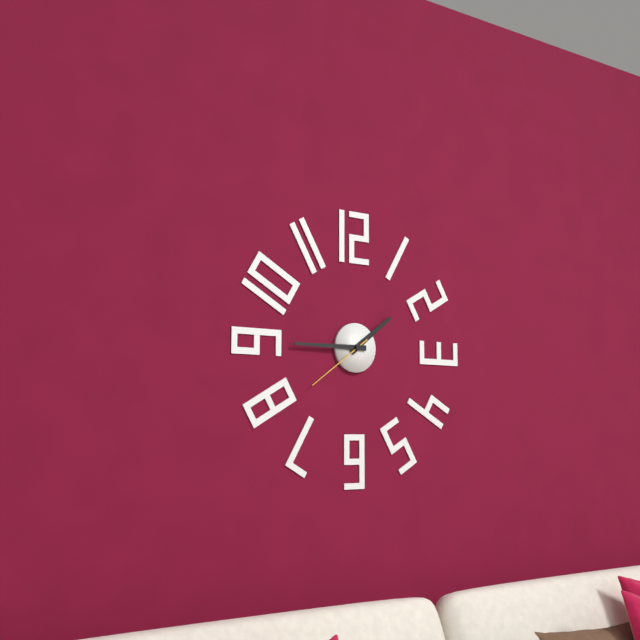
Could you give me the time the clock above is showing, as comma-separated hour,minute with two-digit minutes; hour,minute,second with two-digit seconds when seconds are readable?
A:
1,45,39
